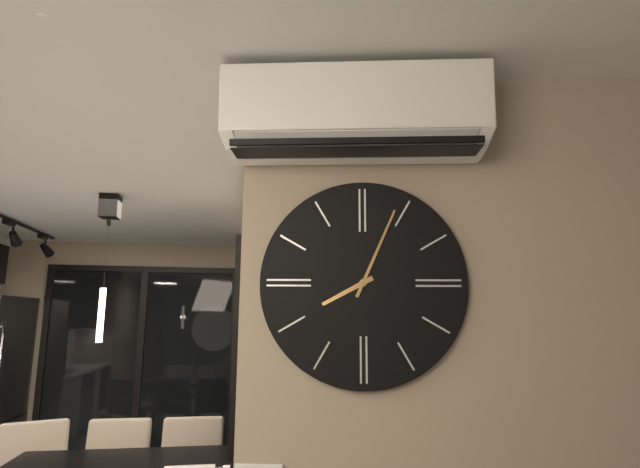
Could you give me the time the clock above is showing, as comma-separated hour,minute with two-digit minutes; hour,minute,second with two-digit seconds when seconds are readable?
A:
8,04
